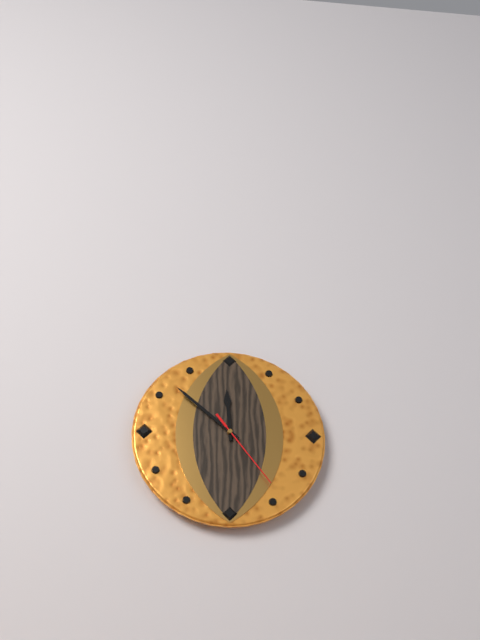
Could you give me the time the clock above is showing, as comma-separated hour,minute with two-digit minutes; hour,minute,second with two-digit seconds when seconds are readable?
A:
11,52,24
